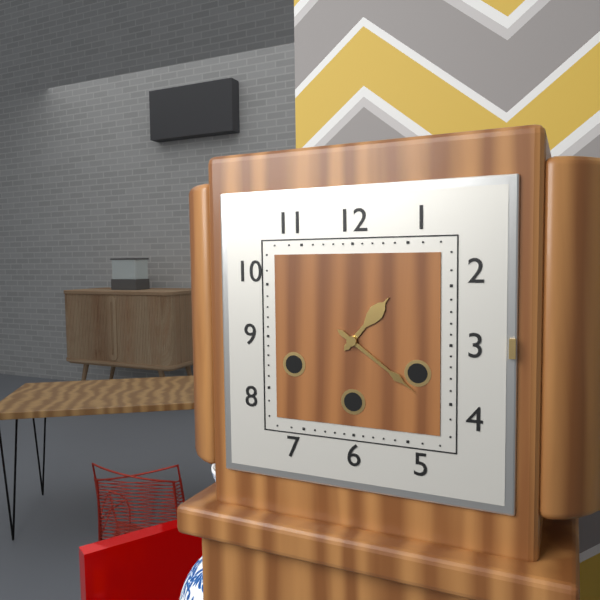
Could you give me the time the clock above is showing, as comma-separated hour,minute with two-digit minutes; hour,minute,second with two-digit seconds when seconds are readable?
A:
1,21
